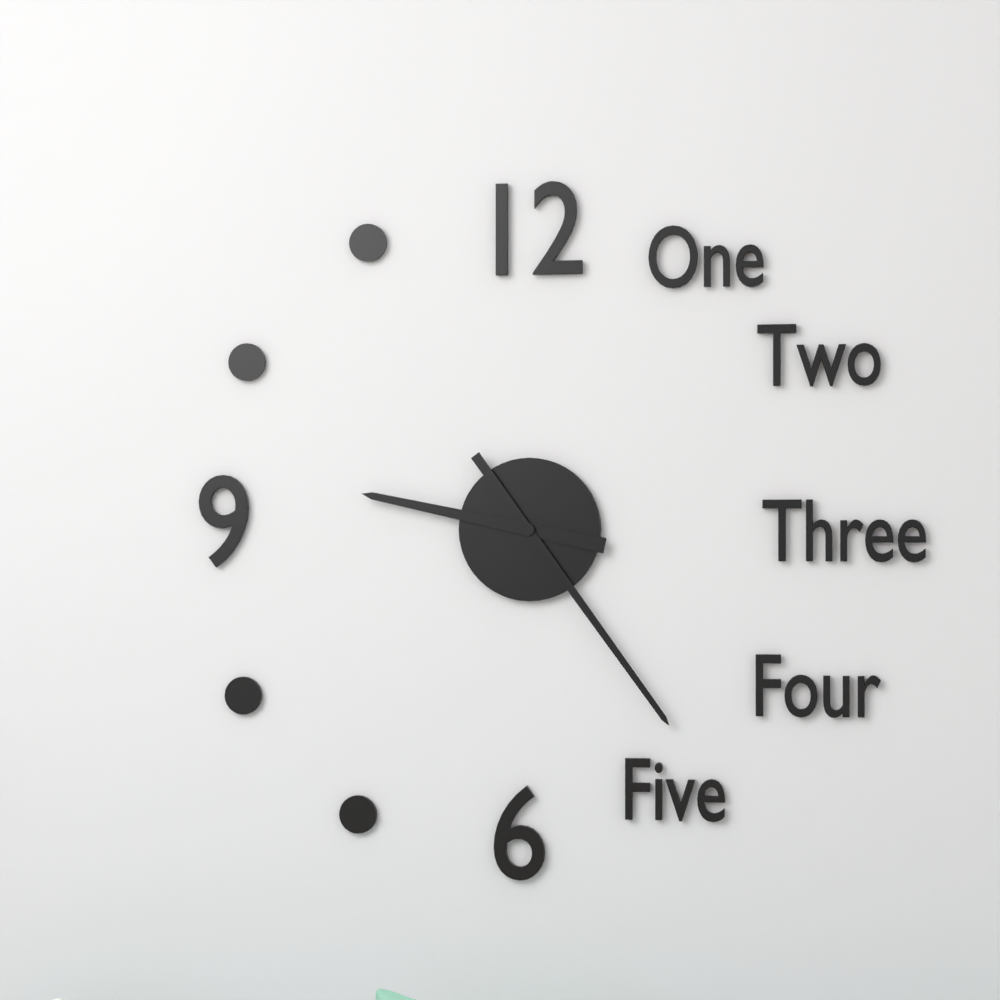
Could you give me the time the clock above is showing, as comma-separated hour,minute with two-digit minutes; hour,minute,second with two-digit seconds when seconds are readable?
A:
9,24
